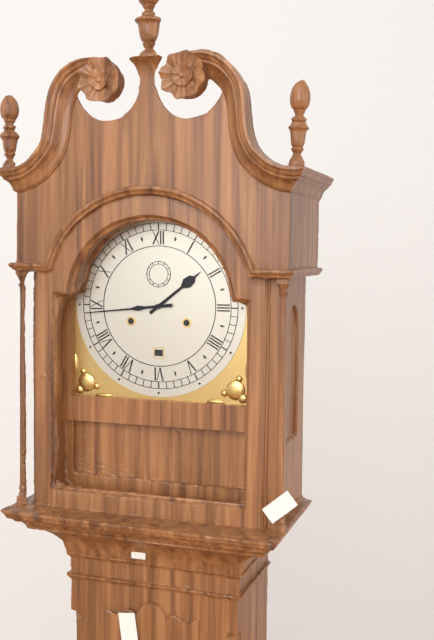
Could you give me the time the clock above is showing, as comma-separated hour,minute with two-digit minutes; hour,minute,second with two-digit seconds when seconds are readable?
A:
1,44
